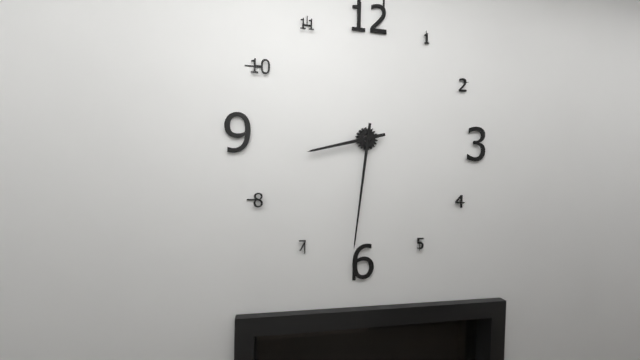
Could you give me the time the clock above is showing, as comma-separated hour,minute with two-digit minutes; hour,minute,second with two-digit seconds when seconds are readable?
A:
8,31
